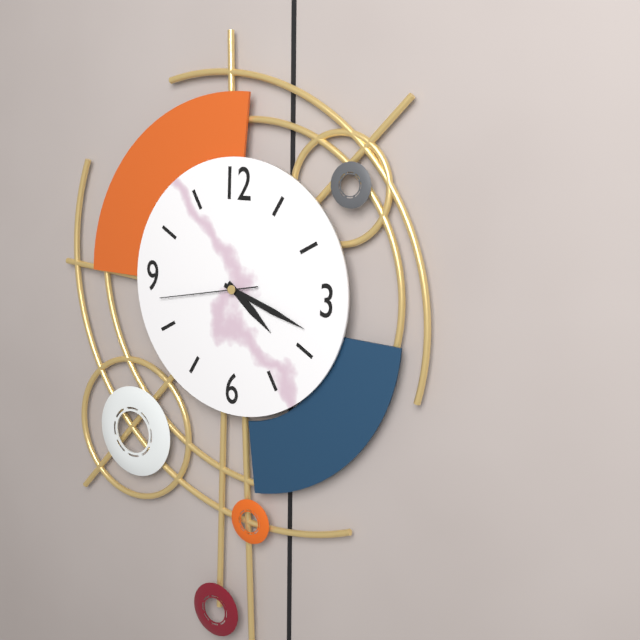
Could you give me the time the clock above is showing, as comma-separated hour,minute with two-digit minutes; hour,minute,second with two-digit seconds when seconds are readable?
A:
4,18,43
